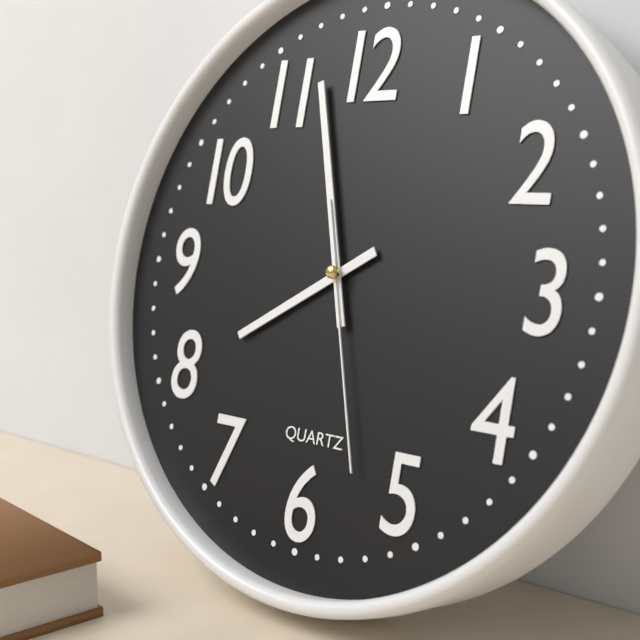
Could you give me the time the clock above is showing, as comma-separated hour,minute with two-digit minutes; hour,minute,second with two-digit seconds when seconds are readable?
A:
7,57,27
